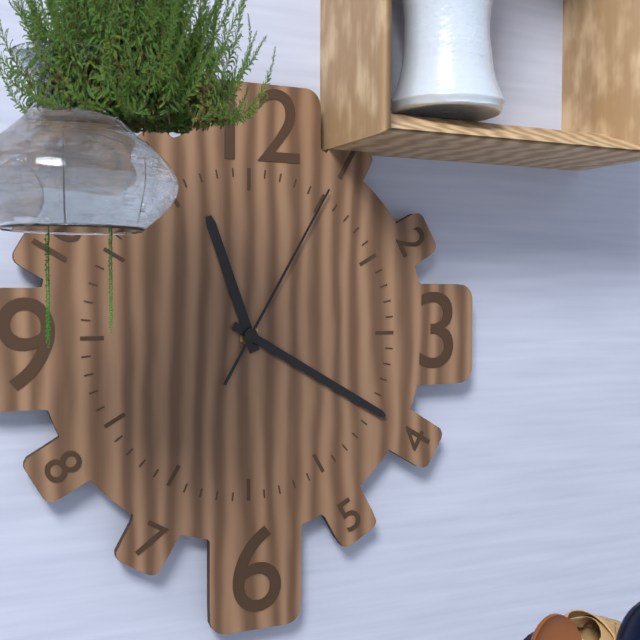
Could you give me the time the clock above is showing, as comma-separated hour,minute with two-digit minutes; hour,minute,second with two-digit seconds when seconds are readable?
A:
11,20,05
